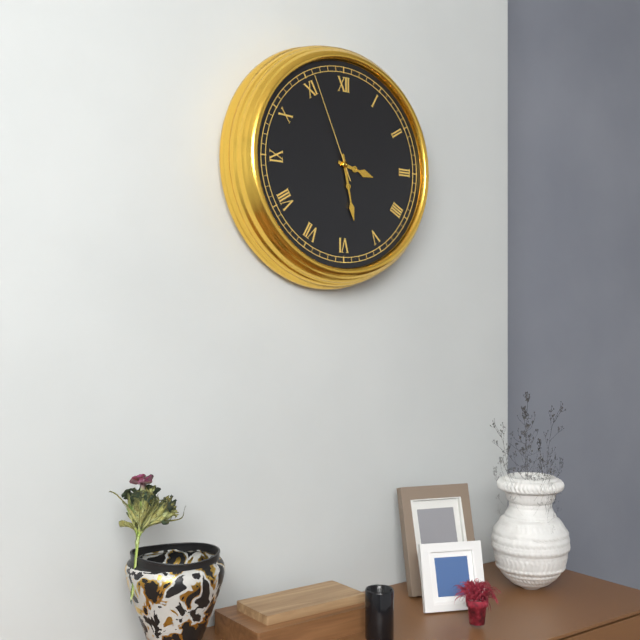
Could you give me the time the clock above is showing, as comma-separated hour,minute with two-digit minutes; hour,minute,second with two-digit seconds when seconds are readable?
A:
3,28,56
